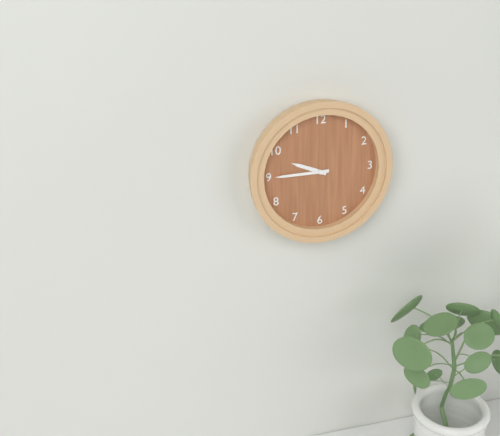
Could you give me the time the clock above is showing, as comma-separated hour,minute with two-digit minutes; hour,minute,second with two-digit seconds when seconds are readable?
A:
9,45
